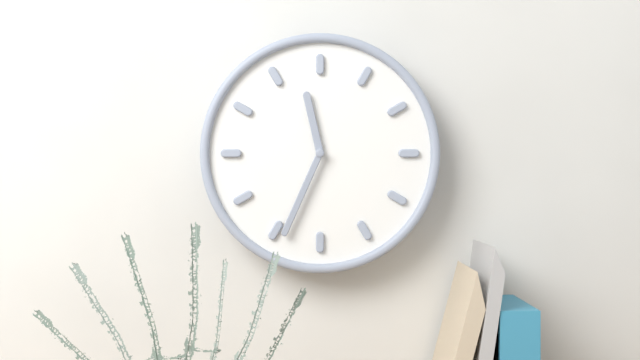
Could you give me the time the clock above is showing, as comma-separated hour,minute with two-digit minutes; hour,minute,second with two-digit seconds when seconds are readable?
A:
11,34
